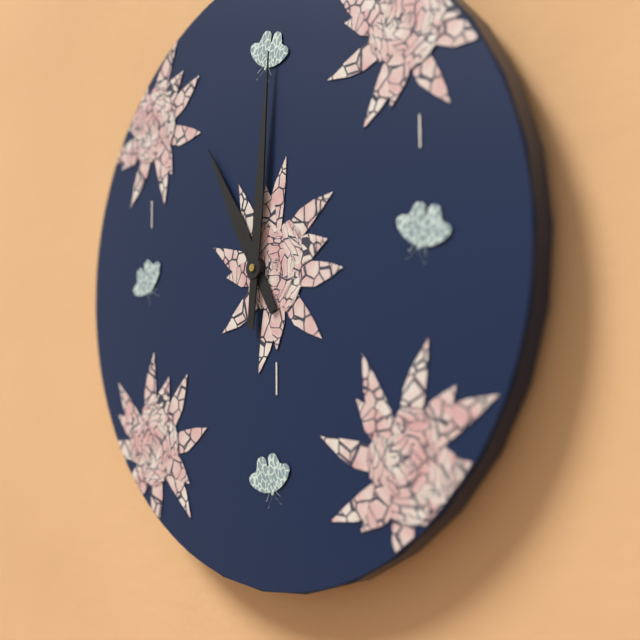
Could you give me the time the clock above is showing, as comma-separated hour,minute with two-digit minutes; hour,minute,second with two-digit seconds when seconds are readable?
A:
11,01
